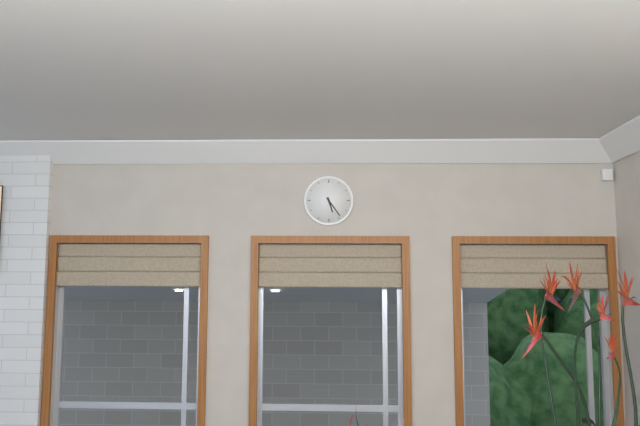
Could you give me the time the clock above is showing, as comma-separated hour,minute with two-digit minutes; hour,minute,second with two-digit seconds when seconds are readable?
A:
5,24
